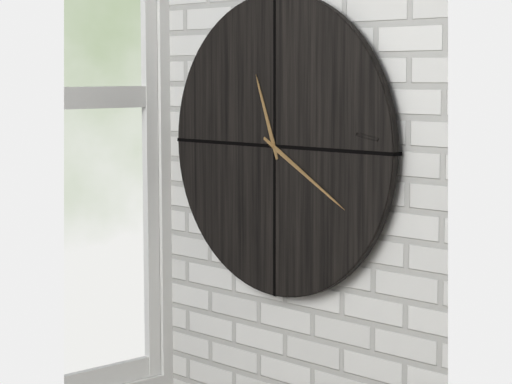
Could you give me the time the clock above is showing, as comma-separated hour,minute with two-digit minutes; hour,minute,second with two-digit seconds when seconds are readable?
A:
11,20
